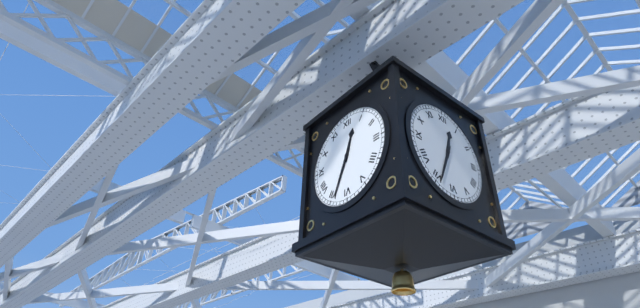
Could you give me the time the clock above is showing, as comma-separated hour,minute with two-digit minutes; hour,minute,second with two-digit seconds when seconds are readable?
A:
12,34
